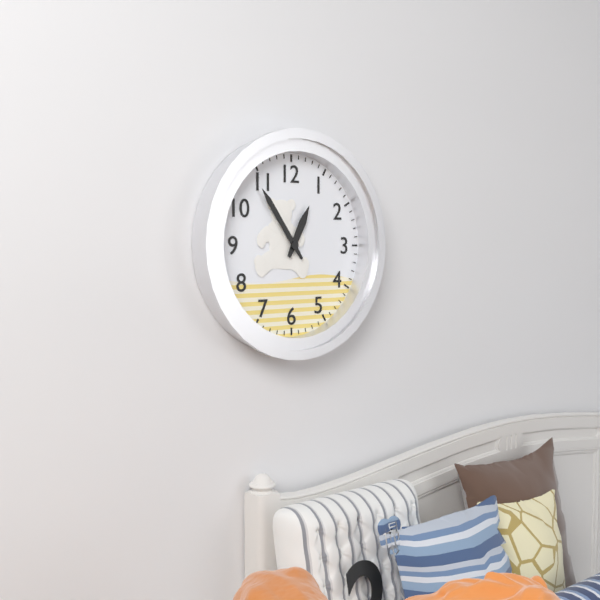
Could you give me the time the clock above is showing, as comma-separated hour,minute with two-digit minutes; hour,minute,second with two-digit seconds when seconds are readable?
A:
12,54
